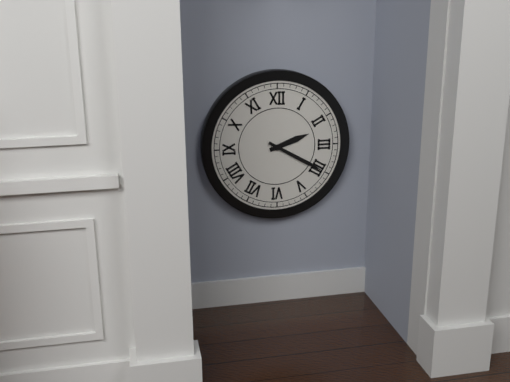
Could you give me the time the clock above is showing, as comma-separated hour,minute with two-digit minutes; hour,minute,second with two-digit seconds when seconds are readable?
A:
2,20
